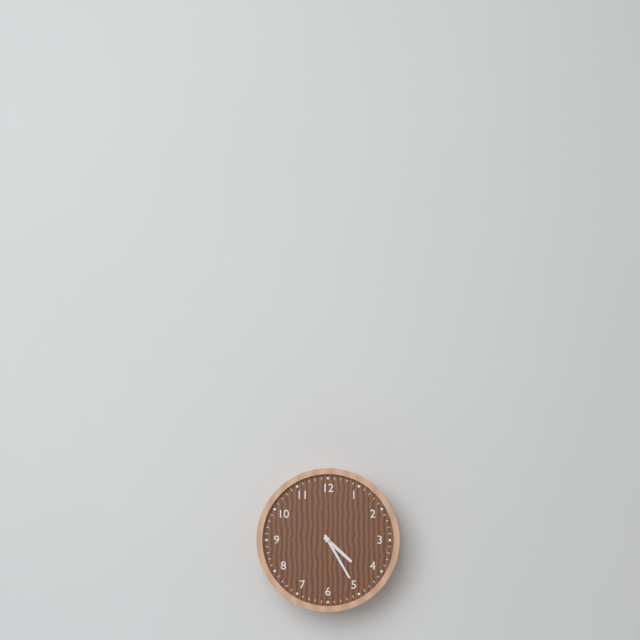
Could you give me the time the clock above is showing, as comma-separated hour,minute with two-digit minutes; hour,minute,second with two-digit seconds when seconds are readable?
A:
4,25
